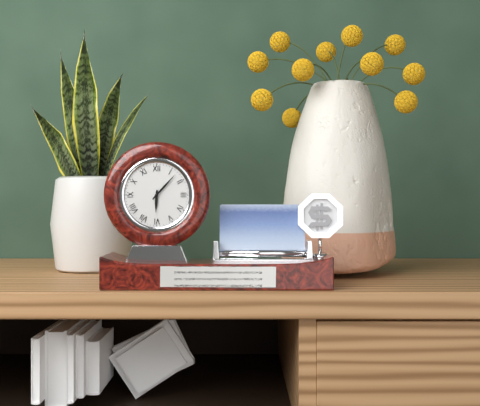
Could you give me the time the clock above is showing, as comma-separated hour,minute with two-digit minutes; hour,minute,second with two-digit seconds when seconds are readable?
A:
6,07
